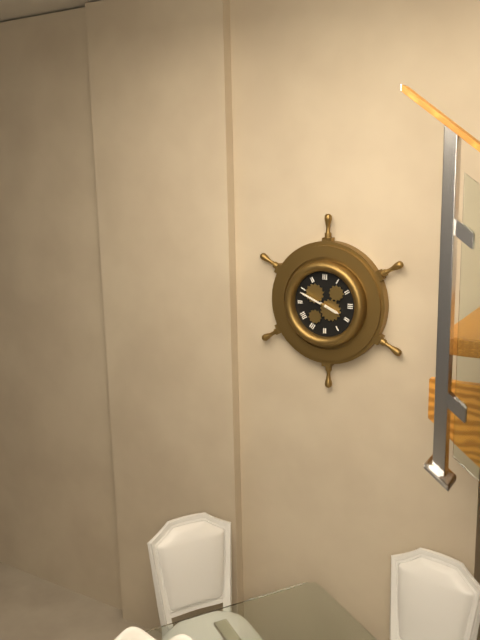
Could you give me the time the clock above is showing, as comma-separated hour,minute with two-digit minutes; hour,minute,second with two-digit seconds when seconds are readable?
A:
3,49
